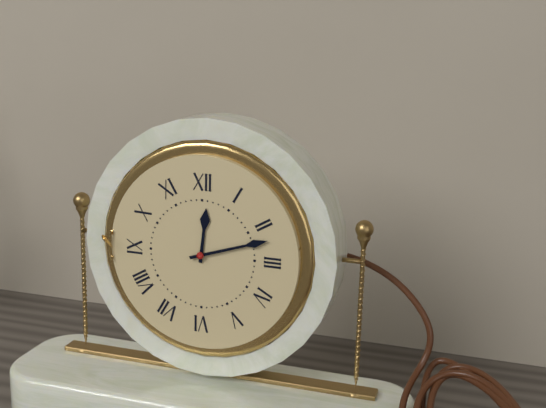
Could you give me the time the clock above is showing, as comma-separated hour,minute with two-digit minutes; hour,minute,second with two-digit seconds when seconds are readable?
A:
12,12
